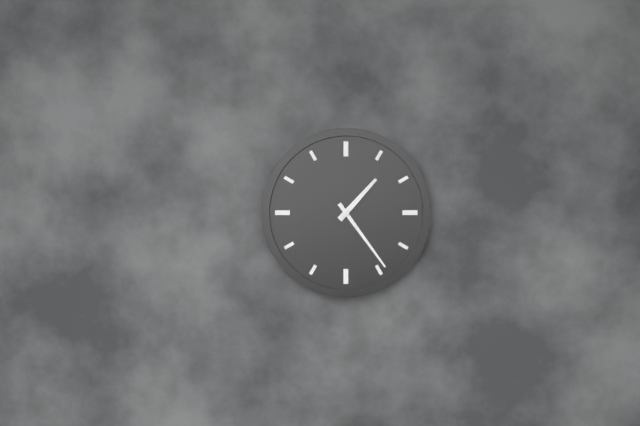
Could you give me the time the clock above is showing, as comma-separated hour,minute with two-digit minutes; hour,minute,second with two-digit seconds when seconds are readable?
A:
1,24
